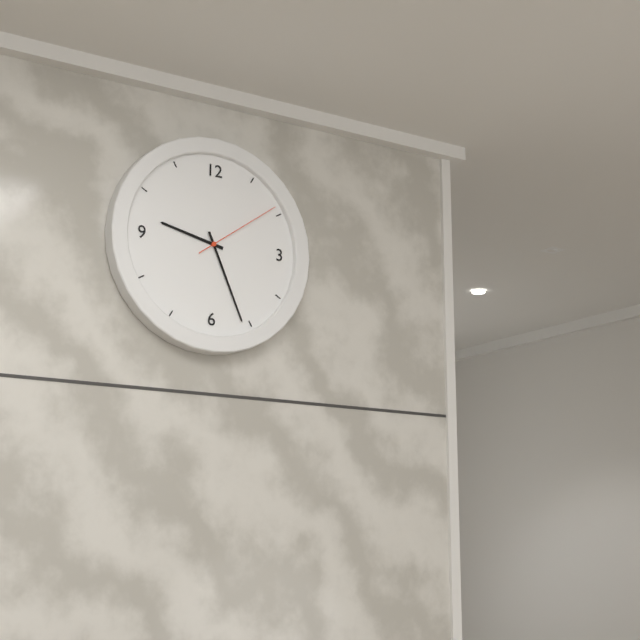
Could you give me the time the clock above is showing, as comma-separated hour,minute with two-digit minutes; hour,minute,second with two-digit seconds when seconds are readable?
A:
9,26,09
